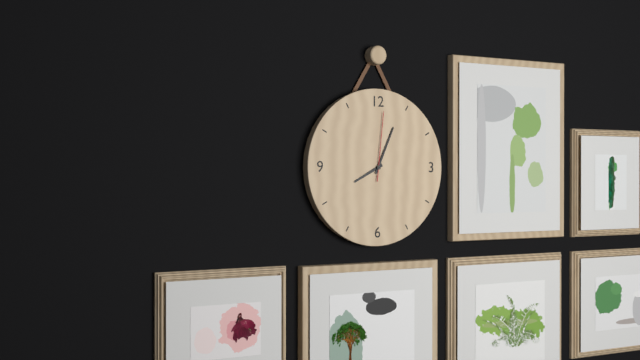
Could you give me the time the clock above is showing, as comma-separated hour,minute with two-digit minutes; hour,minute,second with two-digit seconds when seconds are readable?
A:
8,04,01
